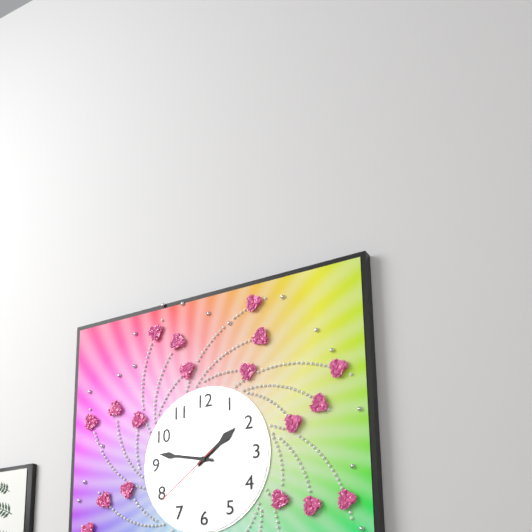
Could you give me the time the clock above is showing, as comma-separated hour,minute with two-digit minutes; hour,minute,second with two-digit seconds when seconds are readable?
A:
1,47,39
